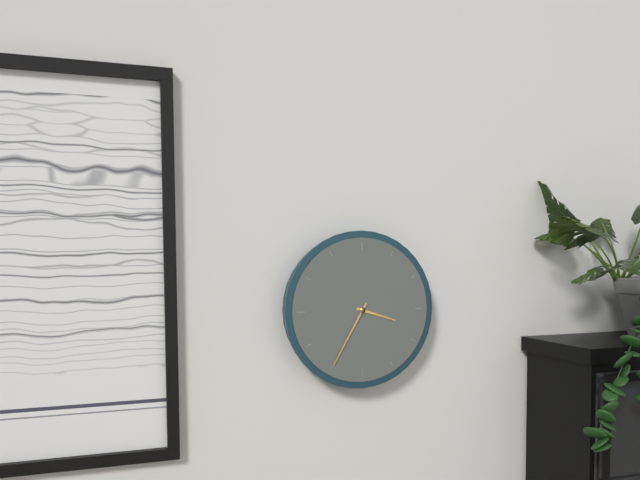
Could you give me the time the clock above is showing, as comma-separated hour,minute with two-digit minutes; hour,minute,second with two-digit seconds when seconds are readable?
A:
3,35
